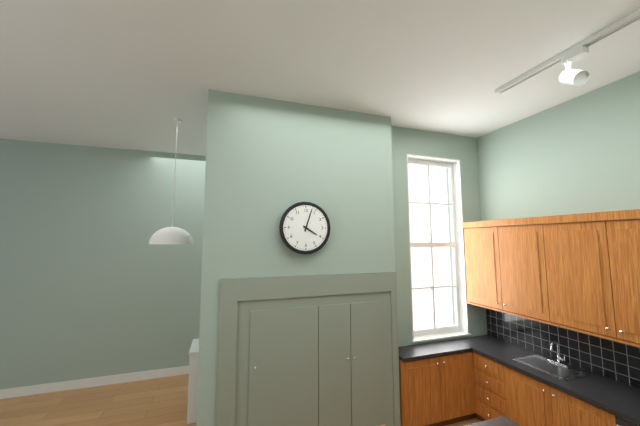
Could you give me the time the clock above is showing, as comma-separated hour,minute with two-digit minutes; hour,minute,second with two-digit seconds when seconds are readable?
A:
4,03
